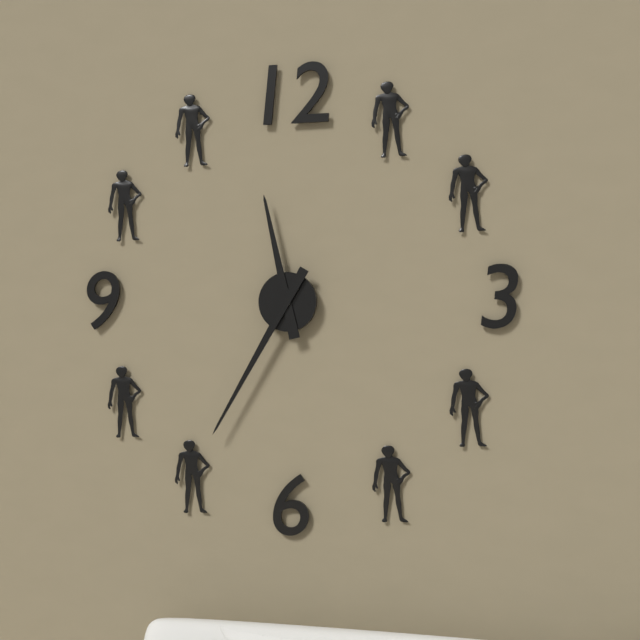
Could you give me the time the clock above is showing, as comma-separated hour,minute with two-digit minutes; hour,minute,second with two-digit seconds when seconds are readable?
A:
11,35
